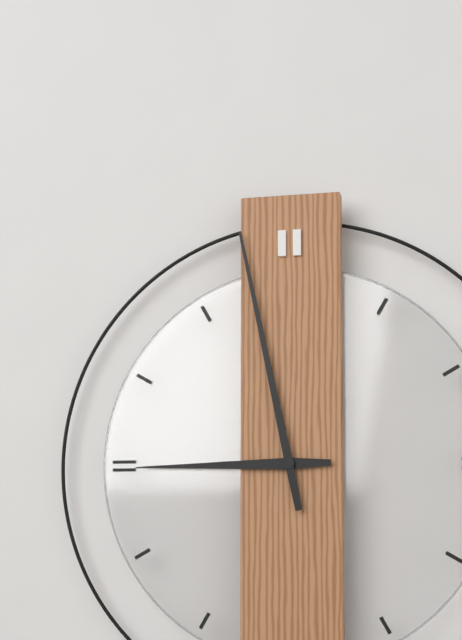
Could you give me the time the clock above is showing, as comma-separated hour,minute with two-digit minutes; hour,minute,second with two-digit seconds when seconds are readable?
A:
8,58
